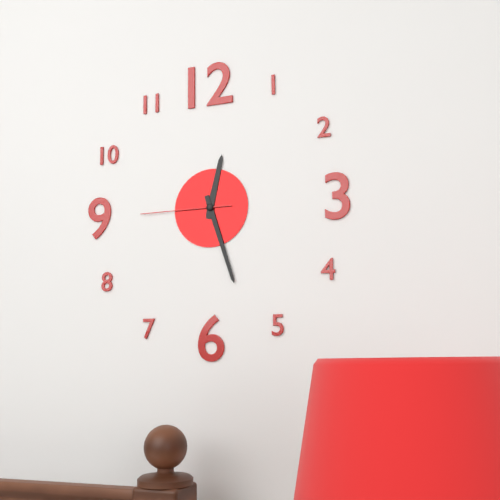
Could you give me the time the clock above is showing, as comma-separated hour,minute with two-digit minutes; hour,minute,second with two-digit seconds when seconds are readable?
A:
12,27,45
